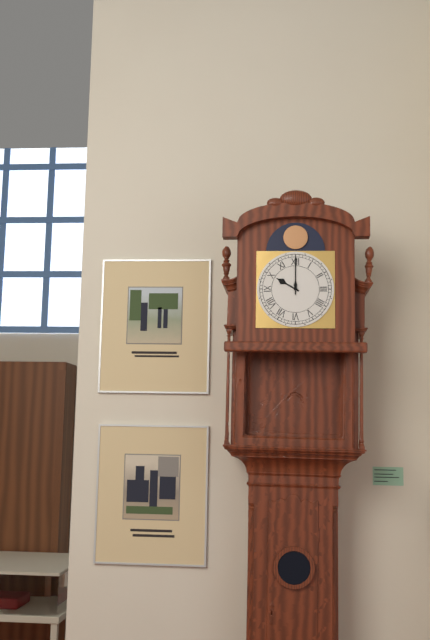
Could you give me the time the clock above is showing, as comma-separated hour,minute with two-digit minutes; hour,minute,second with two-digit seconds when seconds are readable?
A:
10,00
